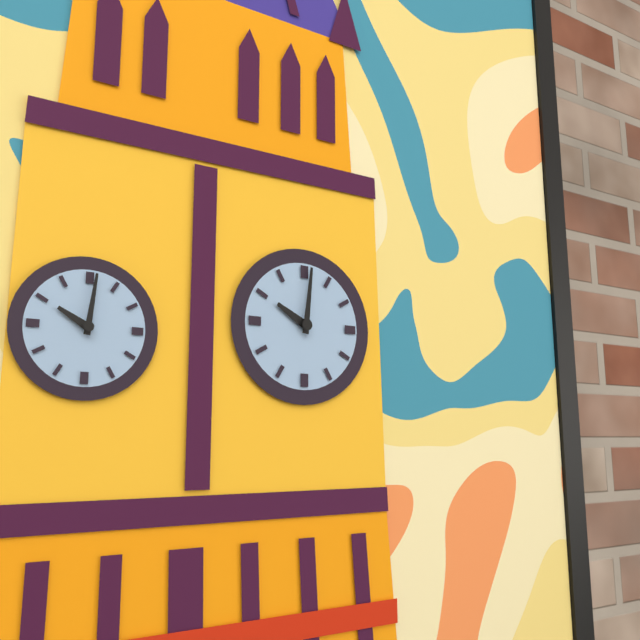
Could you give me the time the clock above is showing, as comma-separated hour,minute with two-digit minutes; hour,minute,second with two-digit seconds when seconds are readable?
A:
10,01
